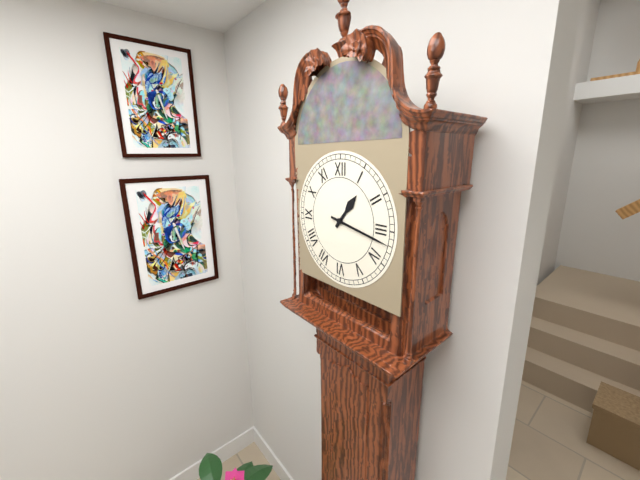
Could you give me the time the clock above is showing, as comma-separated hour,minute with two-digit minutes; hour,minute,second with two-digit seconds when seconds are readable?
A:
1,17
